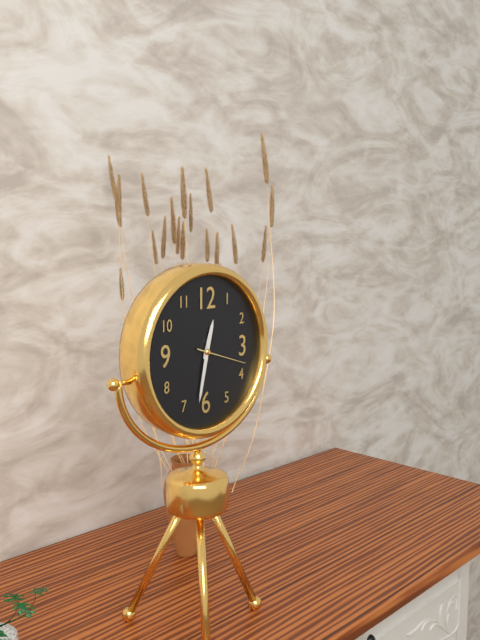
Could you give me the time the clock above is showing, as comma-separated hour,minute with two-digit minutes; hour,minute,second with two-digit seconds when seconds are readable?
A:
12,32
